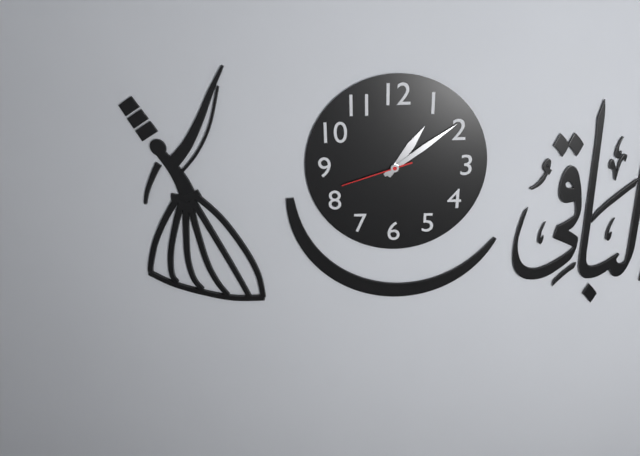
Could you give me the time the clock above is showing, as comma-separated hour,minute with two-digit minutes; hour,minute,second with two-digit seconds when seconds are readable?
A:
1,09,42
